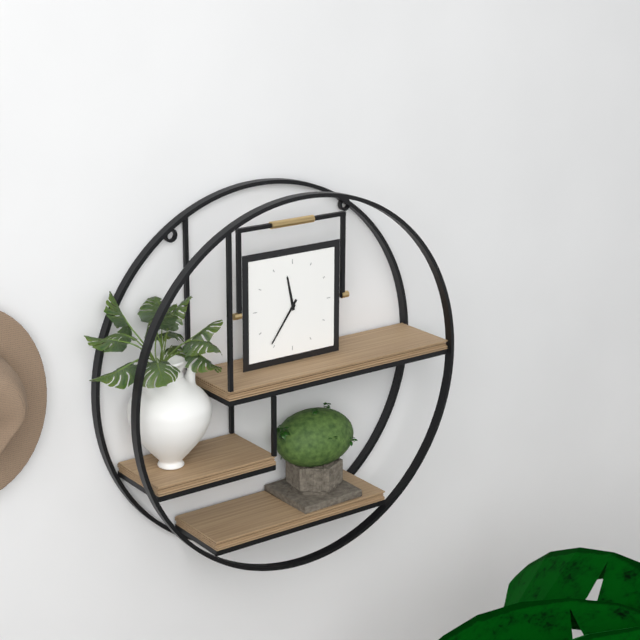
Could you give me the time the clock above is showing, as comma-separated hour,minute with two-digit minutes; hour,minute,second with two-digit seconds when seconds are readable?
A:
11,36
